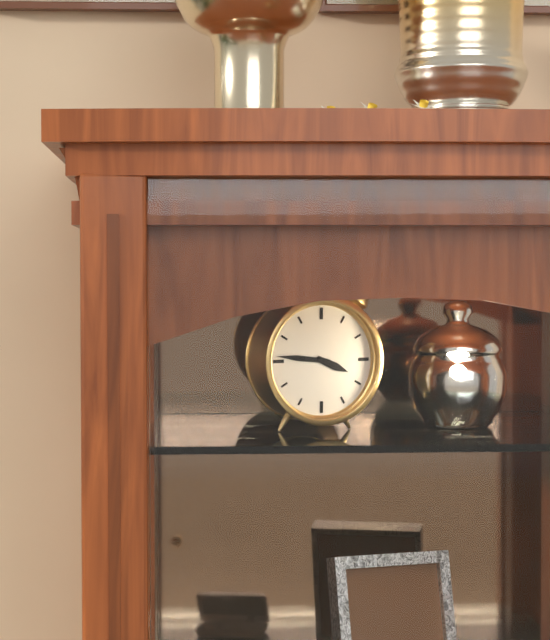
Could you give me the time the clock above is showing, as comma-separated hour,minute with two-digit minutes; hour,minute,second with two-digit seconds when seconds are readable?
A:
3,46
